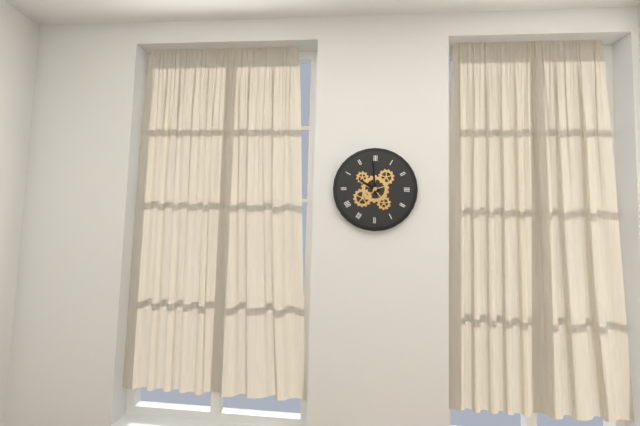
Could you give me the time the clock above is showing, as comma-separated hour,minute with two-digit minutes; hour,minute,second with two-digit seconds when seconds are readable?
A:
9,59
